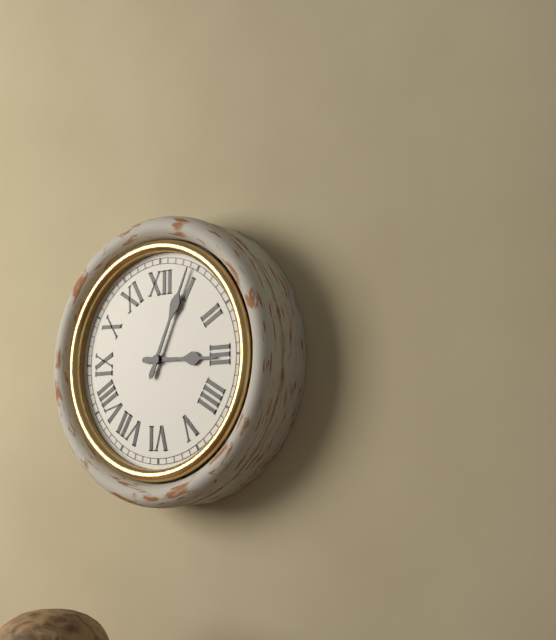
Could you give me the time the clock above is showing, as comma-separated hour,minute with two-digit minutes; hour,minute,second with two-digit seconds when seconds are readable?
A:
3,04
